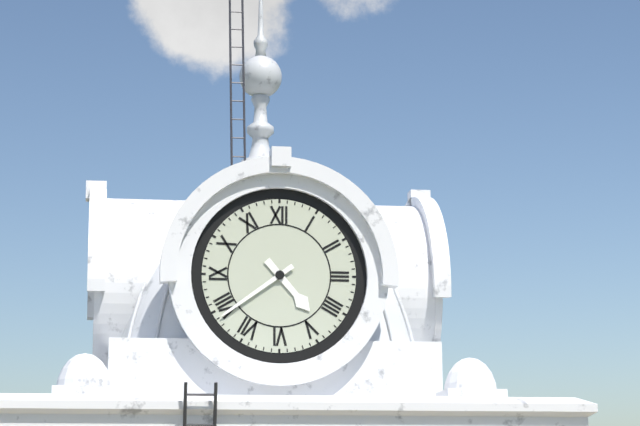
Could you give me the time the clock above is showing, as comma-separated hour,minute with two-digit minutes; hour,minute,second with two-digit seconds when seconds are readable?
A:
4,39
